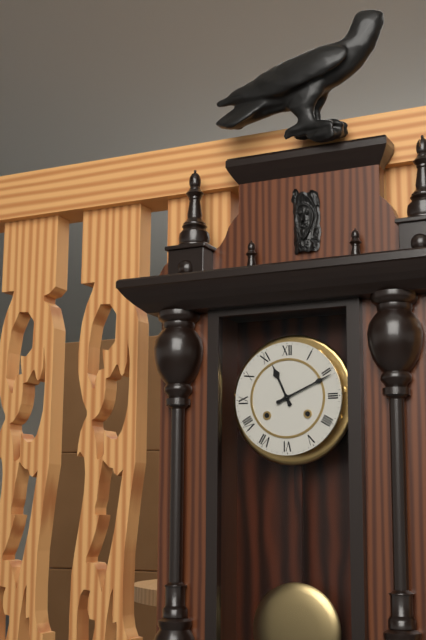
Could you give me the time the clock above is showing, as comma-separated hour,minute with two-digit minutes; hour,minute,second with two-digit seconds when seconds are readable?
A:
11,11
